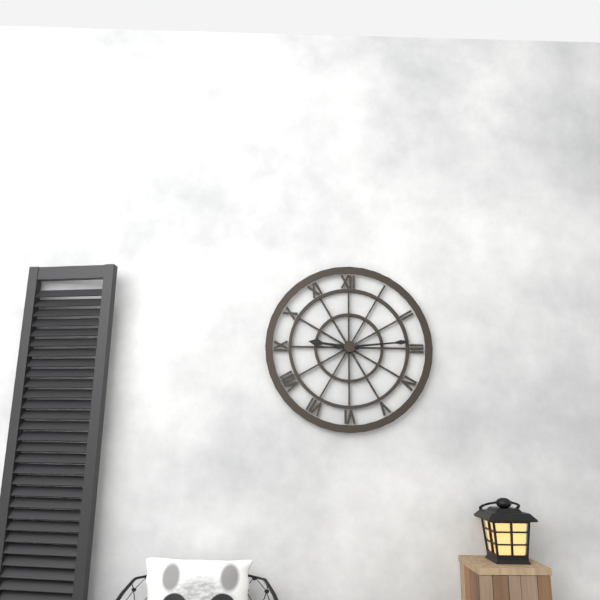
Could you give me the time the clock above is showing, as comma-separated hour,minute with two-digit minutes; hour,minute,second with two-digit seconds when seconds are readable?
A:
9,14
